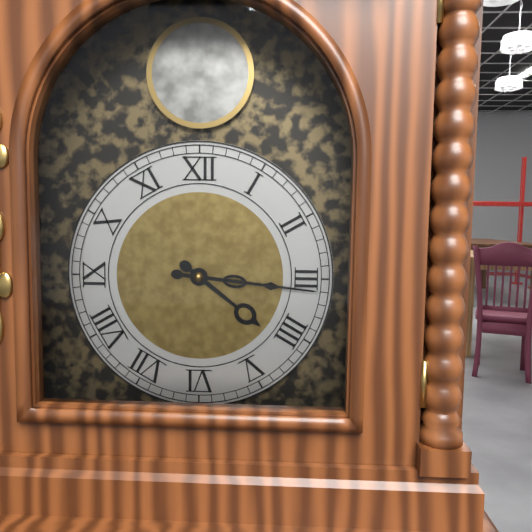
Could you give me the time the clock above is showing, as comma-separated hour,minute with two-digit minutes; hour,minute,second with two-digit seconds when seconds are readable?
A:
4,16
